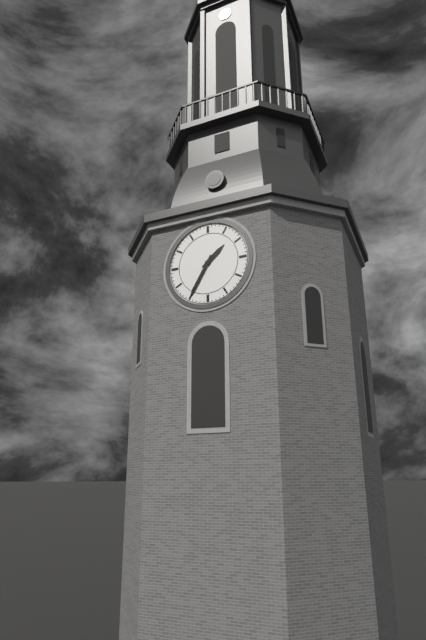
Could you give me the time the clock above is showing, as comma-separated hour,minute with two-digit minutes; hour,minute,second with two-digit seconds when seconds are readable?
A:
1,35
